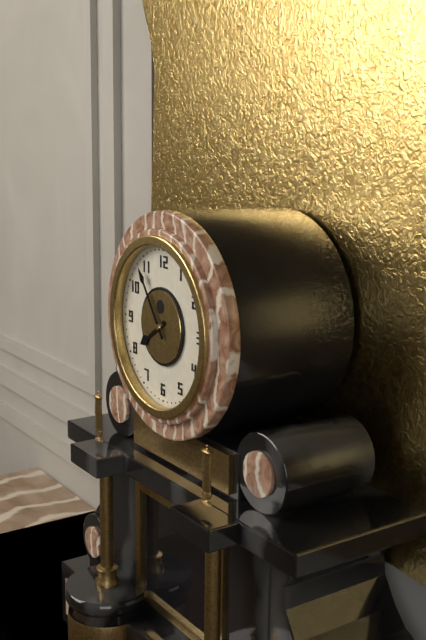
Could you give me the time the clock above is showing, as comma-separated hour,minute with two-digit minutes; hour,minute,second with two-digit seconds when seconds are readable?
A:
7,54
